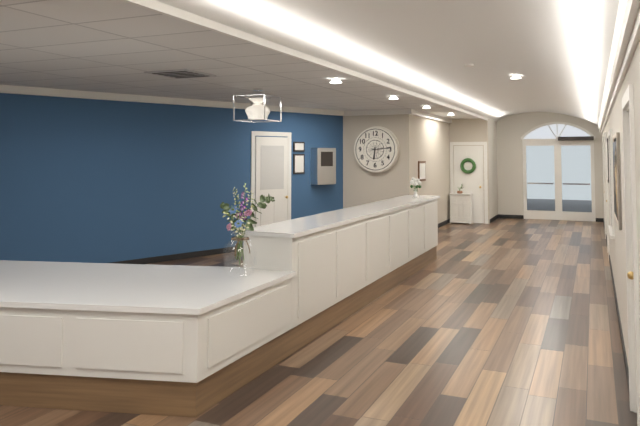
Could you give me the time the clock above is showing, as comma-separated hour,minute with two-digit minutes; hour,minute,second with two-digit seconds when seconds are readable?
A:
6,14
